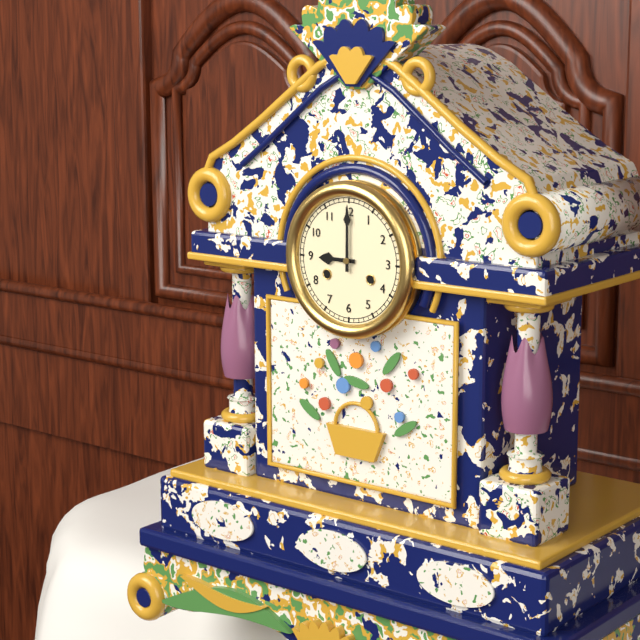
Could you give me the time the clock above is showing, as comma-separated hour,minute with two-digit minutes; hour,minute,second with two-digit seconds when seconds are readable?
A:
9,00
